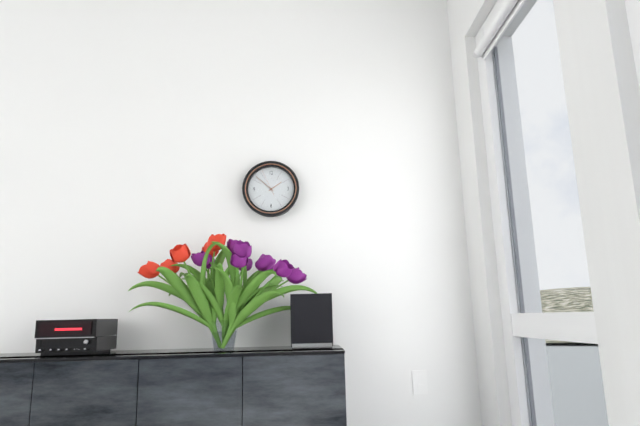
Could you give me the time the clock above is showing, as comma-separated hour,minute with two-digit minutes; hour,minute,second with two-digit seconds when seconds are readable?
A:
1,52
